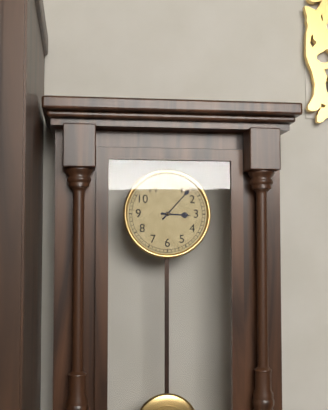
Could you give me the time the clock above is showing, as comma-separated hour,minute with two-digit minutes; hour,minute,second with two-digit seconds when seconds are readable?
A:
3,07
